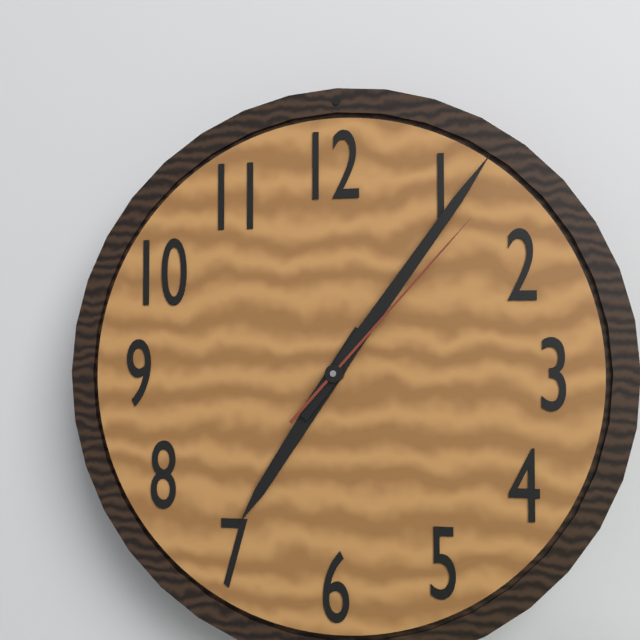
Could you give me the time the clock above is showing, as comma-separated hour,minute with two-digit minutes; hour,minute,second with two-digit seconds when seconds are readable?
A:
7,06,07
